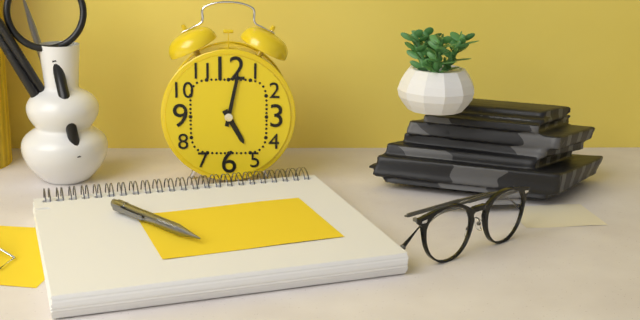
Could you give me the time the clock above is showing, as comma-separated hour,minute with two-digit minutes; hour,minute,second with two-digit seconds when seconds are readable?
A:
5,02
